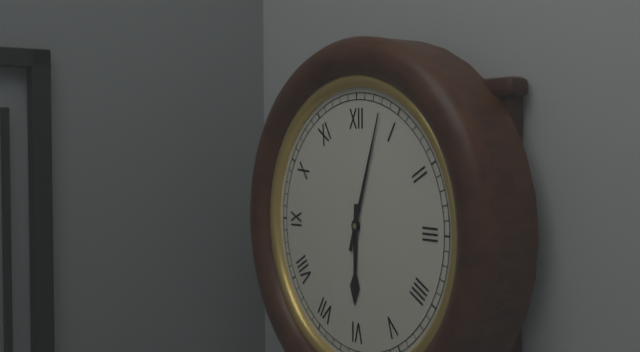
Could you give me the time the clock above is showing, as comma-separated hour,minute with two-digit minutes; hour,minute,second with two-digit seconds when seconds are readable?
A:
6,03
